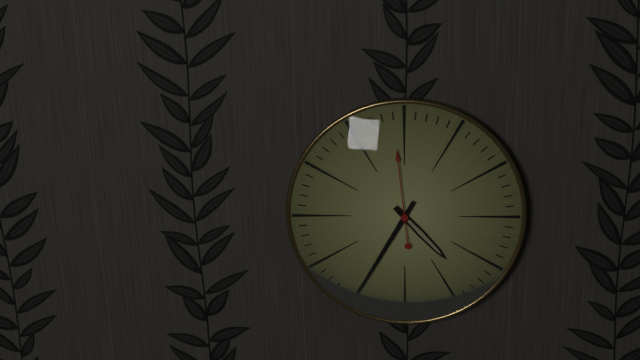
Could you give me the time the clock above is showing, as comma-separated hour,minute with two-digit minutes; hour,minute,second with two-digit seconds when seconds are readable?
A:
4,35,59
